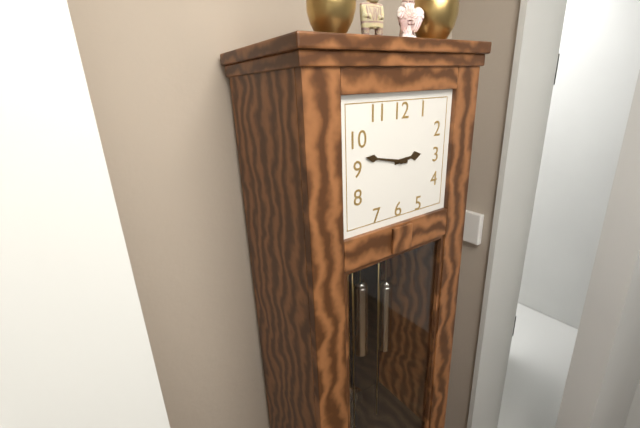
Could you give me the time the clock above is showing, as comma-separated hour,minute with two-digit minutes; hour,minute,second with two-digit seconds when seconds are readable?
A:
2,47
